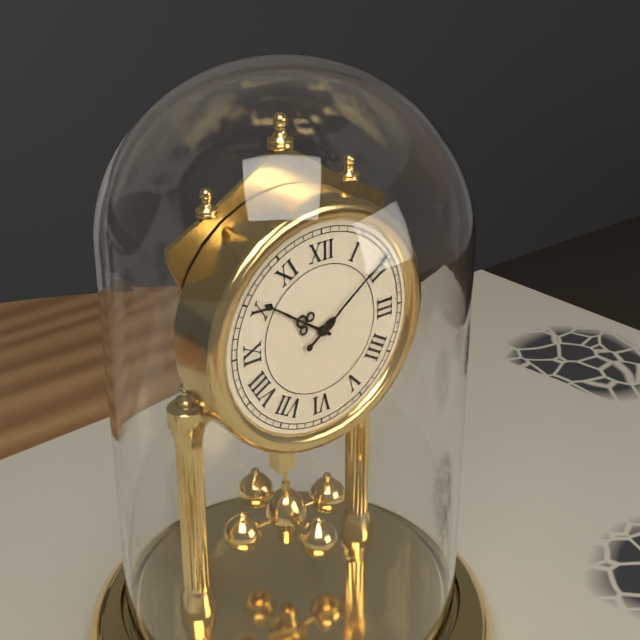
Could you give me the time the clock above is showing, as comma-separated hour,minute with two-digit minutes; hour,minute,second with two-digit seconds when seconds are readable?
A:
10,09
